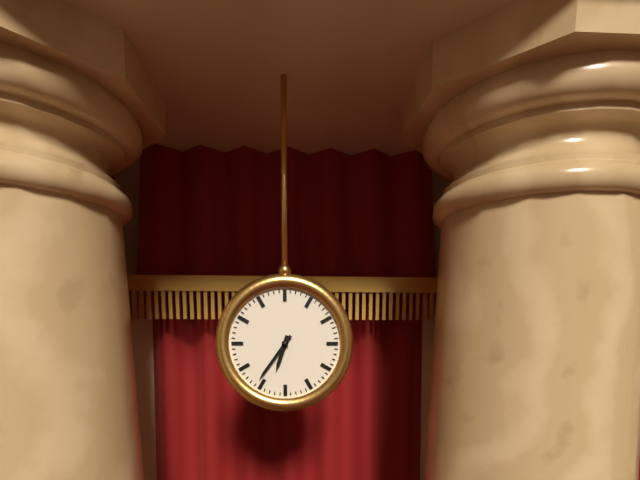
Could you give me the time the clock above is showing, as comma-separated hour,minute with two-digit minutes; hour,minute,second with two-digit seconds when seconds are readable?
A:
6,36
